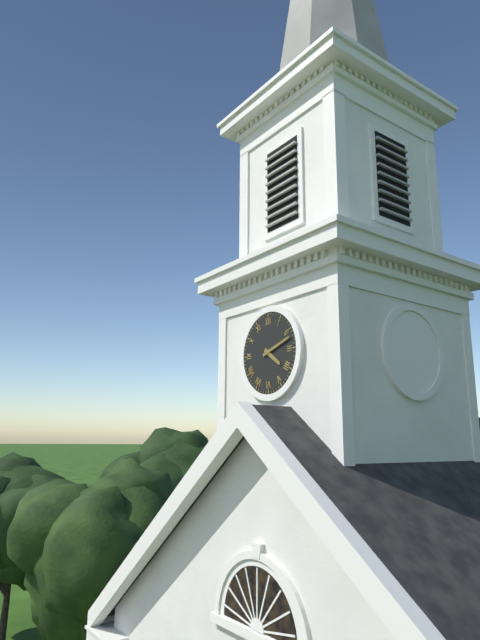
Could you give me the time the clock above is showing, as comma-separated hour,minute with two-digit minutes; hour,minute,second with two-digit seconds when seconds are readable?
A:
4,12
